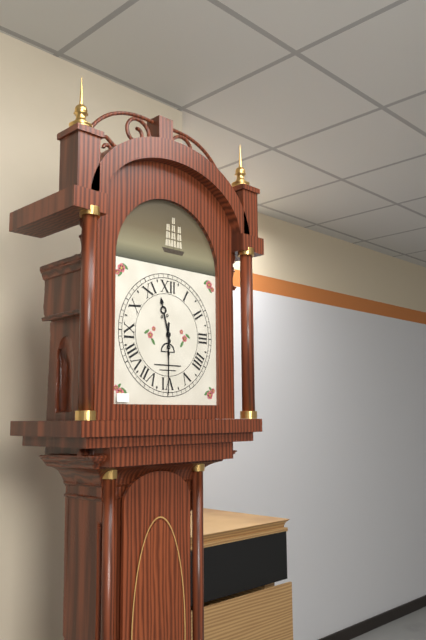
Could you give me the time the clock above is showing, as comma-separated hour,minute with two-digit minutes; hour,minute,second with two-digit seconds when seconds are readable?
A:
11,30
